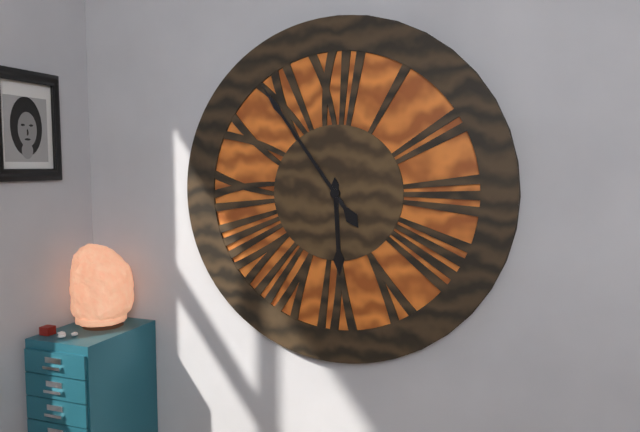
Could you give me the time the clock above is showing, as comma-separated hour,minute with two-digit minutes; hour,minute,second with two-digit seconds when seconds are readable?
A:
5,54
